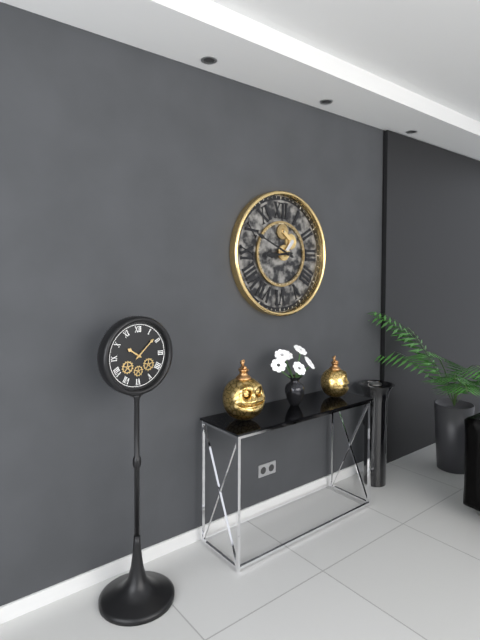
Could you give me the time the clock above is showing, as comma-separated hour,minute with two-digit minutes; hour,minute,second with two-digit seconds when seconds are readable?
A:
8,49
